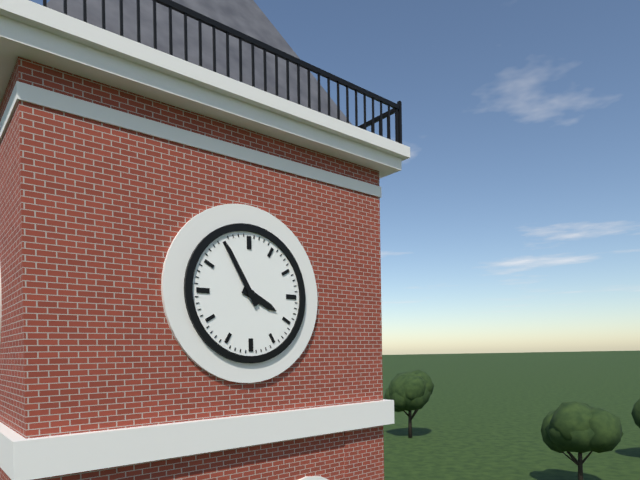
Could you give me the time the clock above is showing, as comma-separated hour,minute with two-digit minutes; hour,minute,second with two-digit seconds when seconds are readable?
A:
3,55
